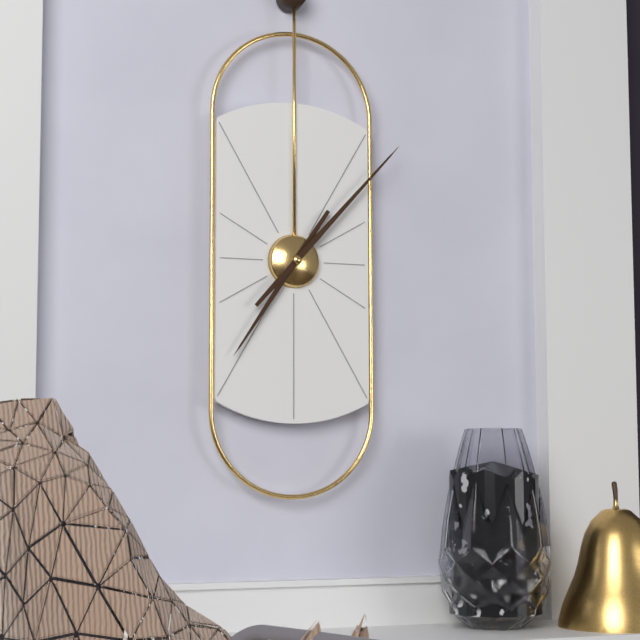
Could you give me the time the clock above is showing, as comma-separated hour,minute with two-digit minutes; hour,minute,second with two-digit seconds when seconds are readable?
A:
7,07
